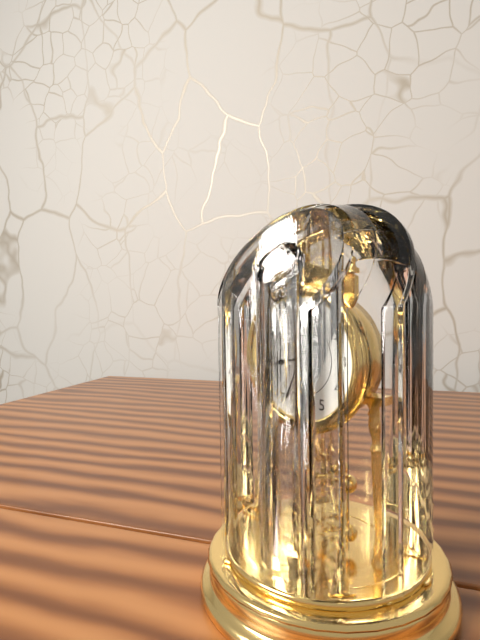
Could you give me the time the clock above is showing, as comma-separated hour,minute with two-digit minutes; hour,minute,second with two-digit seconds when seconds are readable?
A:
8,34
